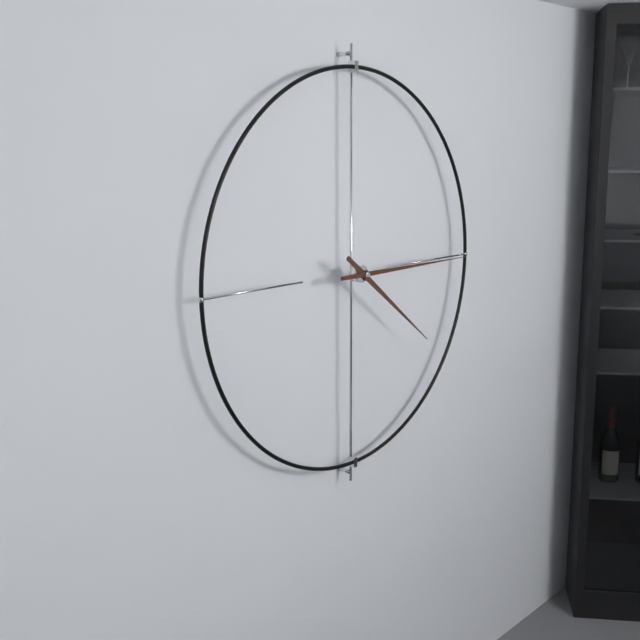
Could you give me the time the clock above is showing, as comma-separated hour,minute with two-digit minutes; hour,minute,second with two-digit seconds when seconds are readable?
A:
4,15
